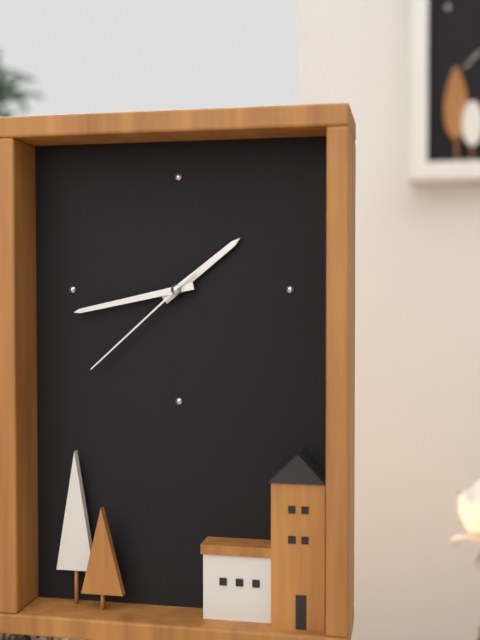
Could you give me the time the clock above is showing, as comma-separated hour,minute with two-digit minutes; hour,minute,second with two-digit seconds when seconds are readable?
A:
1,43,38
